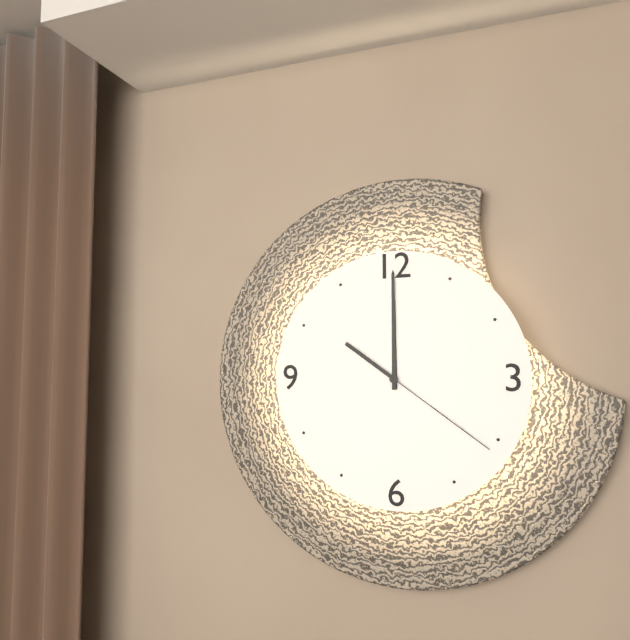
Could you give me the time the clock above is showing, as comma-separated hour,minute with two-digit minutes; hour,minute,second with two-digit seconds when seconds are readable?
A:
12,00,21
